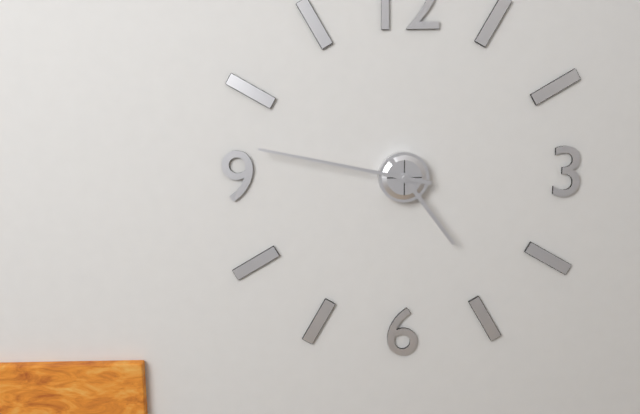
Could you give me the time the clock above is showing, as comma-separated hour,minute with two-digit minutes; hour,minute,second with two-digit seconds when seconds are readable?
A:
4,47
